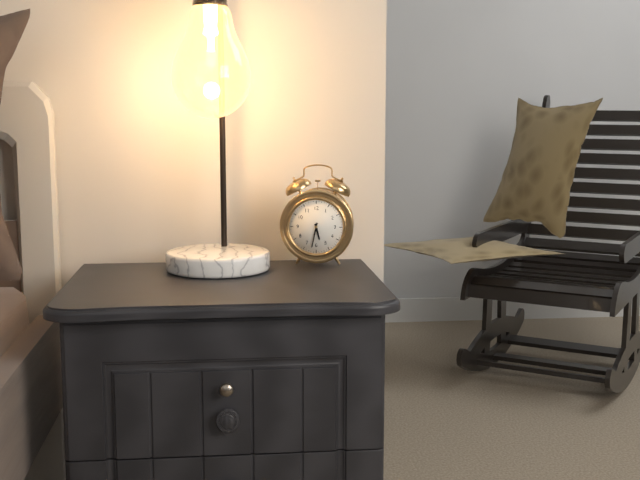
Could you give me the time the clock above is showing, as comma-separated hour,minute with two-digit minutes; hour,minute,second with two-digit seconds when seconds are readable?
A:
5,32
